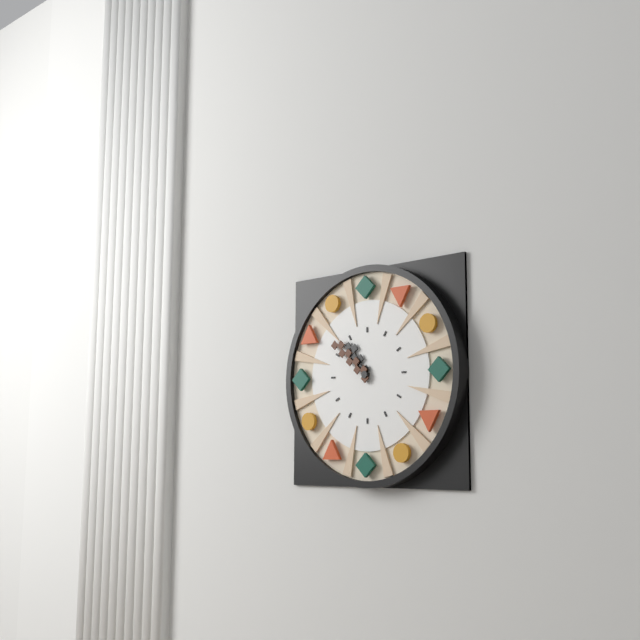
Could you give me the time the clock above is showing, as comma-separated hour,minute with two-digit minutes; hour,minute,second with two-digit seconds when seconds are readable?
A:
10,52
